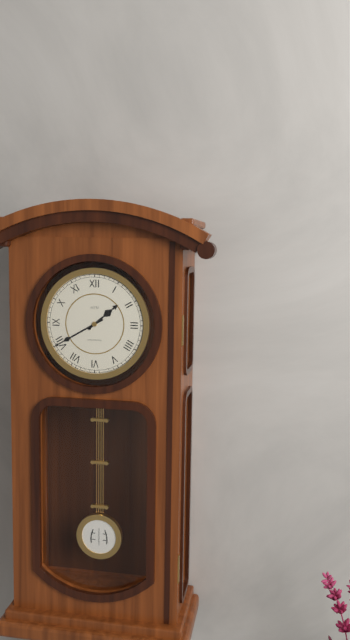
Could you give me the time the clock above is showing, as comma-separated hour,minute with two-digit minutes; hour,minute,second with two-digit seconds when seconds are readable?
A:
1,40
